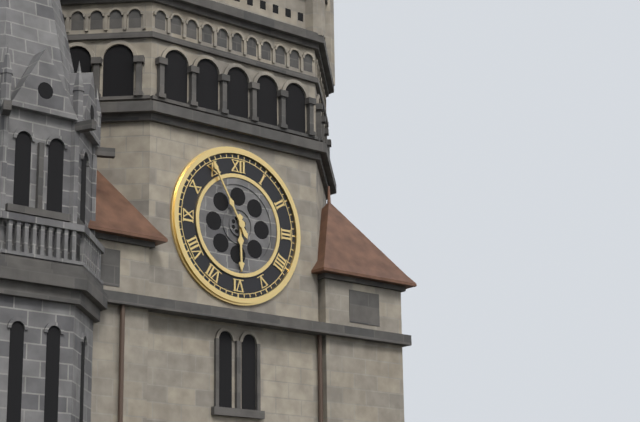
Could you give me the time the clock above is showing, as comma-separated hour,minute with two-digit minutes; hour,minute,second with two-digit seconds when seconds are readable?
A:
5,55
